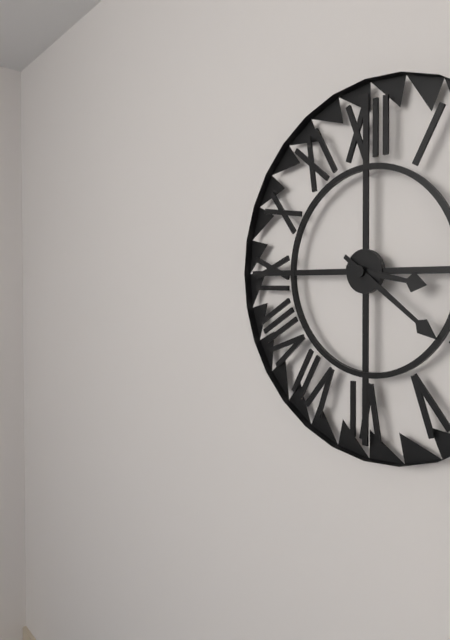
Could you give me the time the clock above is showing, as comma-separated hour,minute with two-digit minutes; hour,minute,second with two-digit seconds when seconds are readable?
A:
3,21
